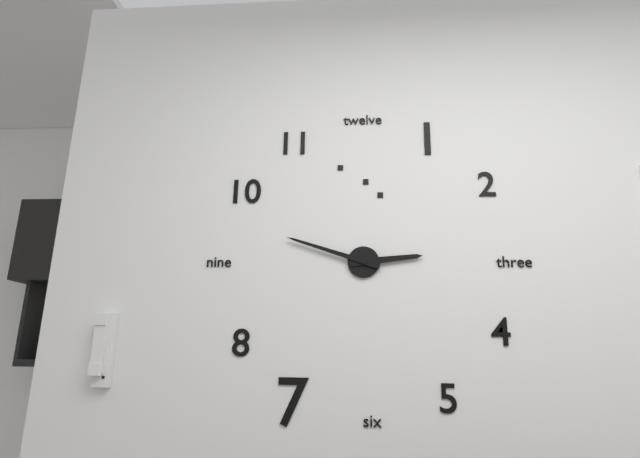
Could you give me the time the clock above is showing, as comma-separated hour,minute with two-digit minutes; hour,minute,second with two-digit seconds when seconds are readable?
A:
2,48
